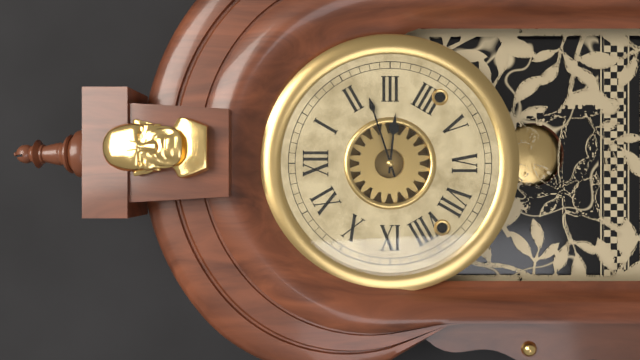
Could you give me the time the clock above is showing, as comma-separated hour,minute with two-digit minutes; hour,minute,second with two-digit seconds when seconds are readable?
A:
3,12
